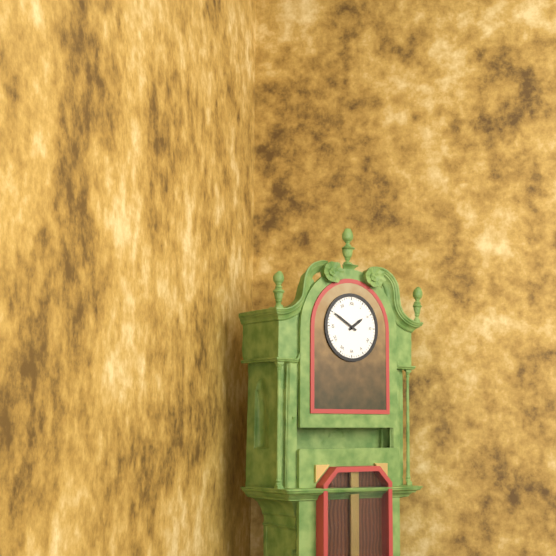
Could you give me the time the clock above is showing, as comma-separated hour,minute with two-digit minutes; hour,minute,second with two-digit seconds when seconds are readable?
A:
1,50
